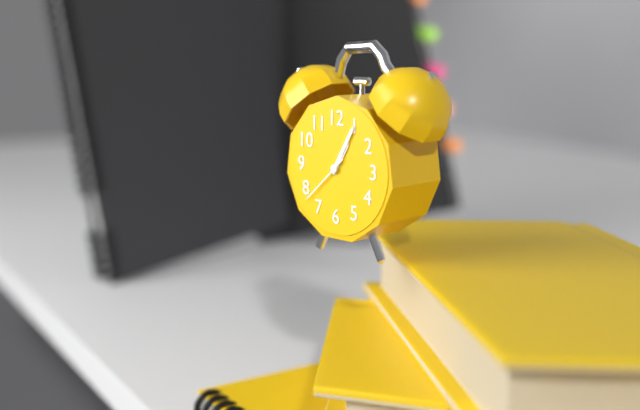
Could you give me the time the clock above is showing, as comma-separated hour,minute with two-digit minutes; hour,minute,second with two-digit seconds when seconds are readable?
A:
1,05,38
